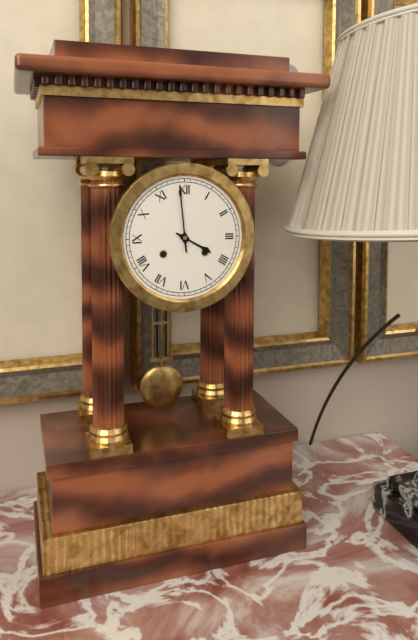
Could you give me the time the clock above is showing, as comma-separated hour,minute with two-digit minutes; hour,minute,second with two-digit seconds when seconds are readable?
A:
3,59
